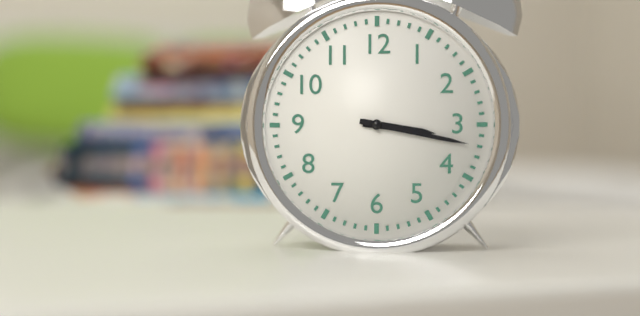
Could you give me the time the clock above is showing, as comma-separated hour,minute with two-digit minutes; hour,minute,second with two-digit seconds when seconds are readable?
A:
3,17
